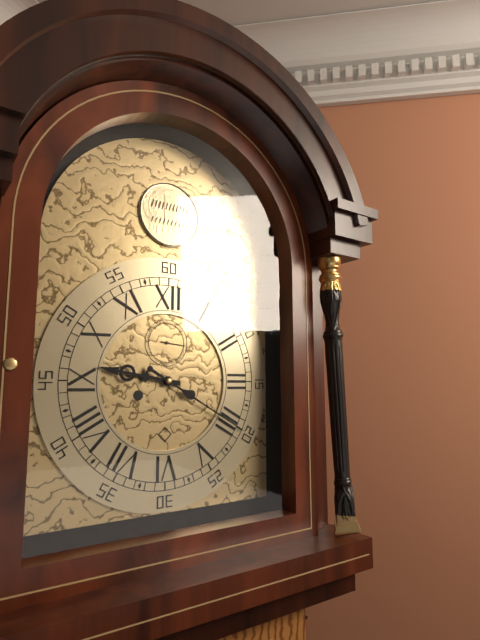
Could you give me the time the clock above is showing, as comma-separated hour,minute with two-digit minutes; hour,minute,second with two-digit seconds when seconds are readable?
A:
9,20
